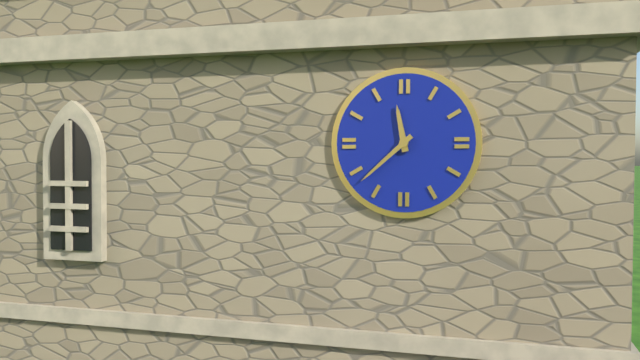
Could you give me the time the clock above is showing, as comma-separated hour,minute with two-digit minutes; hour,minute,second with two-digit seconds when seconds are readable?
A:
11,38
